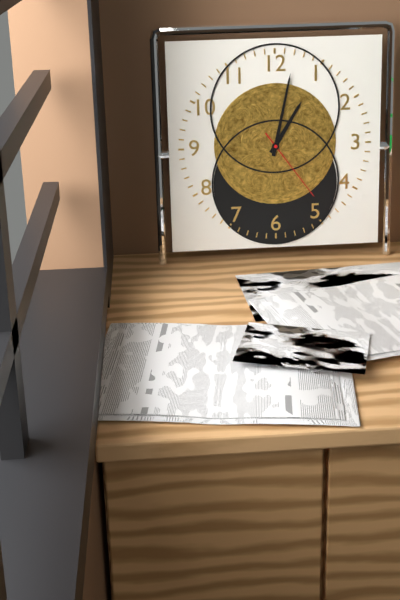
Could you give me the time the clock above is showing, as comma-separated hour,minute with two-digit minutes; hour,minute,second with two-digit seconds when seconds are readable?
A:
1,02,24
